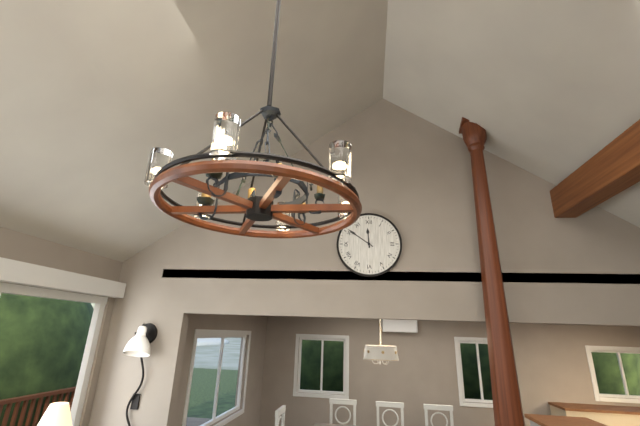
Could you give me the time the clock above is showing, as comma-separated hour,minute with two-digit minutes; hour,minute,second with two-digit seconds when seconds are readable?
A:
11,51
